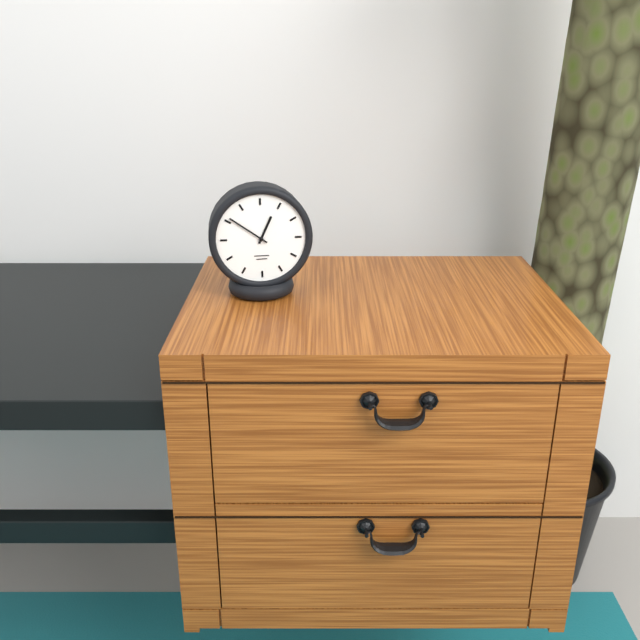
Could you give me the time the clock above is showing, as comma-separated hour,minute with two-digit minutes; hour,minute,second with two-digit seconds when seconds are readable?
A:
12,51
